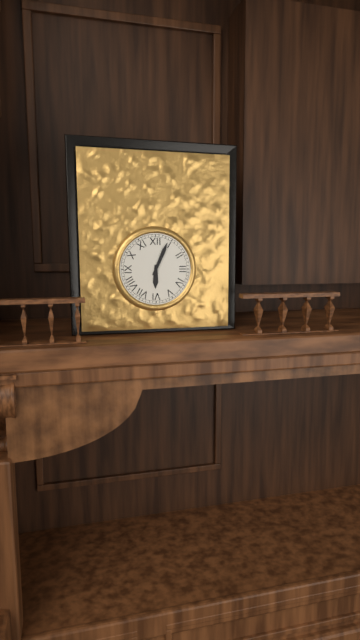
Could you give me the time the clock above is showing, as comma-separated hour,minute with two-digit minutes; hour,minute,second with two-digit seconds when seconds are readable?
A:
6,04
